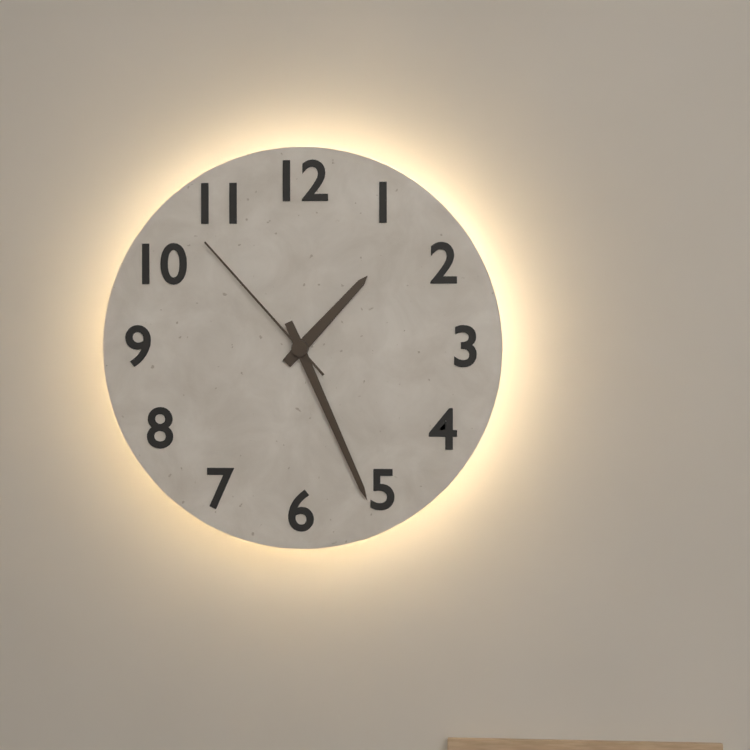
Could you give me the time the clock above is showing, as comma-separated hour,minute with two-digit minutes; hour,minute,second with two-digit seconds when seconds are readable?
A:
1,26,53
